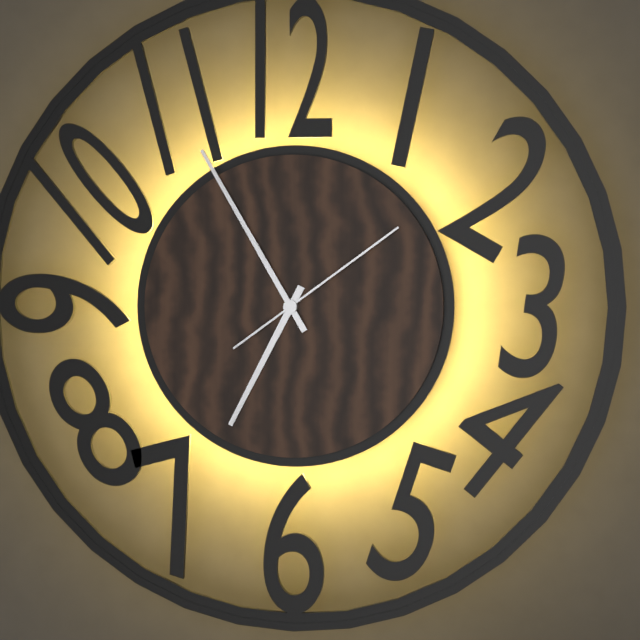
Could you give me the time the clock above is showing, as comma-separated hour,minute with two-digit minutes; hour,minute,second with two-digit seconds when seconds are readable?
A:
6,55,09
